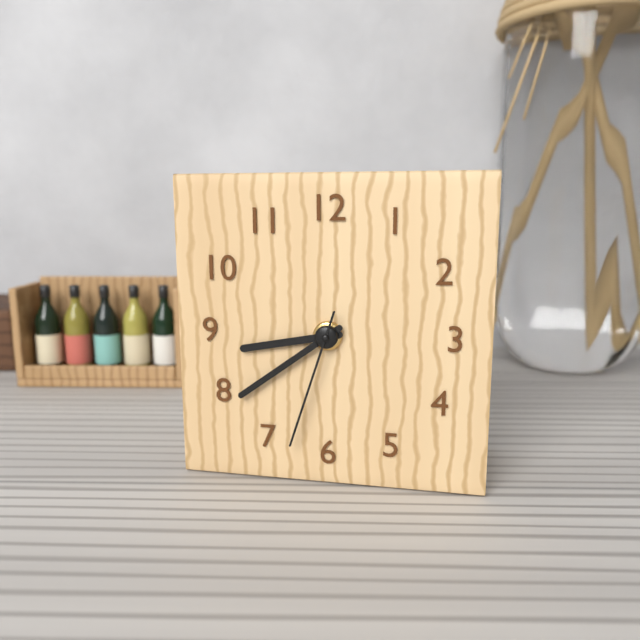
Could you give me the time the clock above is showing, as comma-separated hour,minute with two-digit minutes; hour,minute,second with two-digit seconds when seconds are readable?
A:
8,39,33
